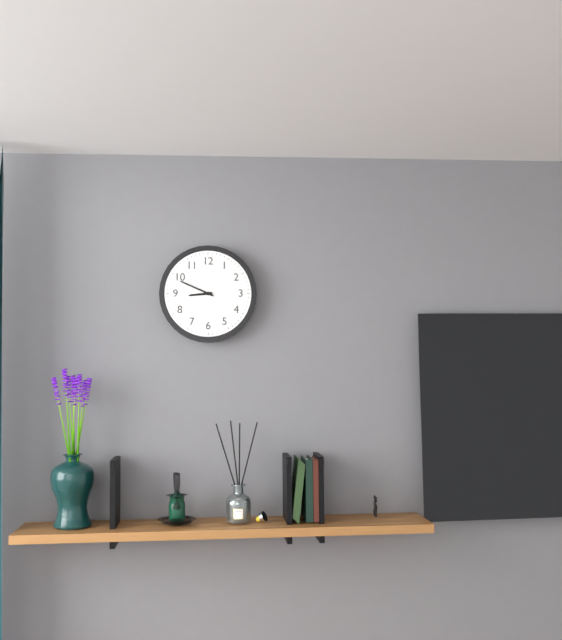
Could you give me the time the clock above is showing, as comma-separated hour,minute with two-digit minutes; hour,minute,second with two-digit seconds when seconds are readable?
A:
8,49
